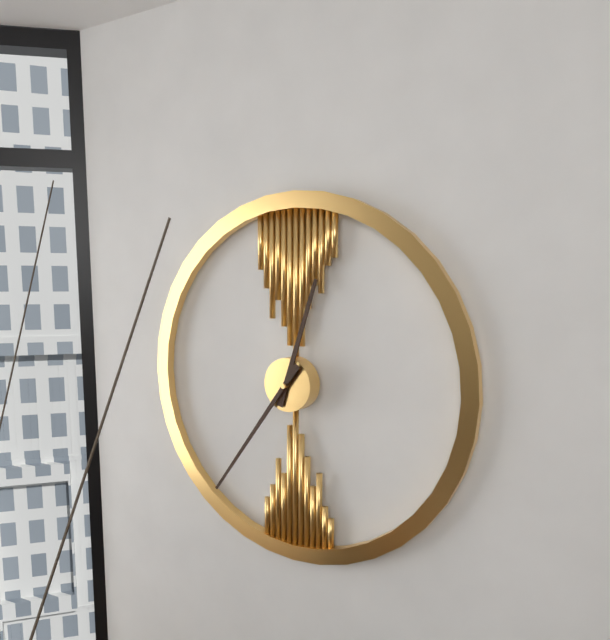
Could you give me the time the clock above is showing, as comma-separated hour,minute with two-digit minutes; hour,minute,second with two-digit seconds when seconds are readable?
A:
12,36
